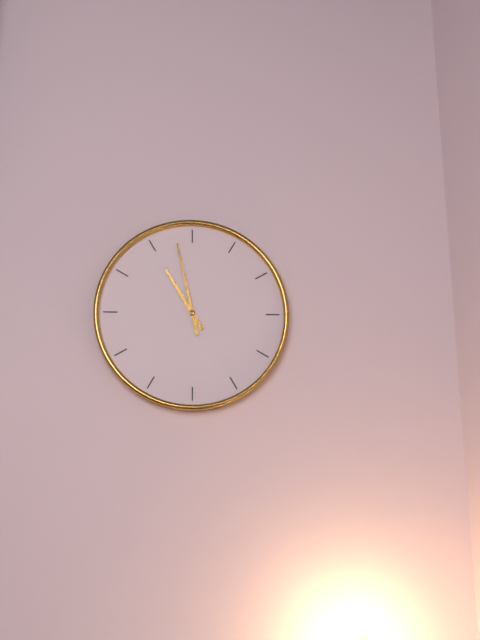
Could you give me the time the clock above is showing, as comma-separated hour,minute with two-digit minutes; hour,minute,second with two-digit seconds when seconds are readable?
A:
10,58
